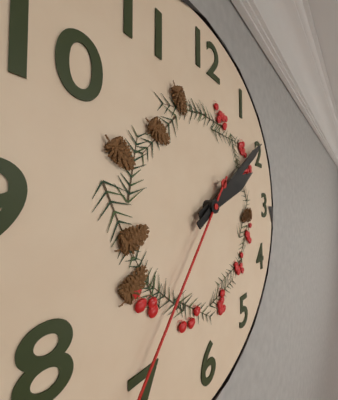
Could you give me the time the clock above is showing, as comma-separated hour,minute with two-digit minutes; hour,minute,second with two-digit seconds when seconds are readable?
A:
2,09
